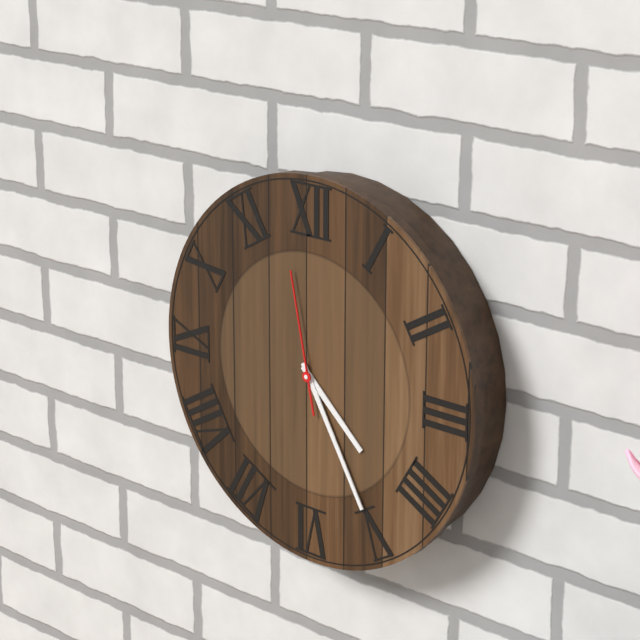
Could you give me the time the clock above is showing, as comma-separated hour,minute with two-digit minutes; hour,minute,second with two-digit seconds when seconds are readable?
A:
4,25,58
